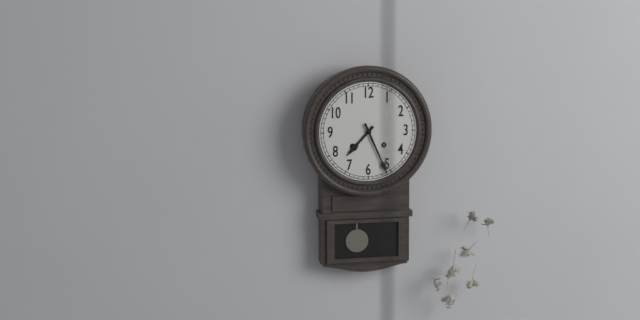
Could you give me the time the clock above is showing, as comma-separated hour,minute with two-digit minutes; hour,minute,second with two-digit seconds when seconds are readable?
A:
7,26
